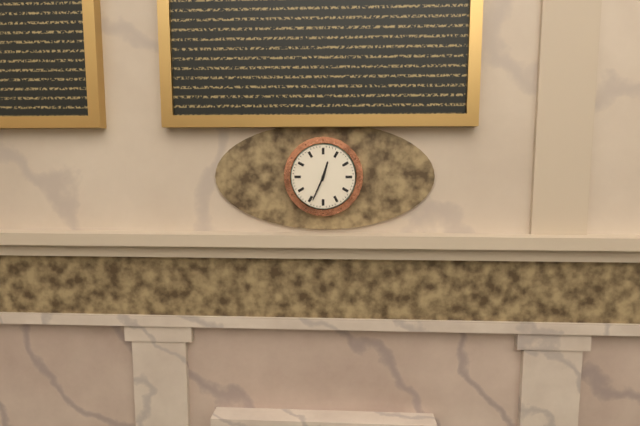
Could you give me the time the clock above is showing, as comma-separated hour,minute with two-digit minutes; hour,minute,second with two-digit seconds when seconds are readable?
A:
12,34
